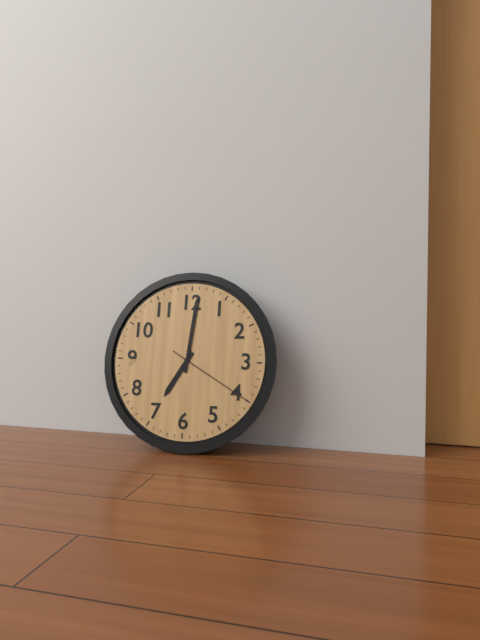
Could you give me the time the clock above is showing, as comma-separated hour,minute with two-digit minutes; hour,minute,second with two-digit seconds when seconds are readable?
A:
7,01,20
